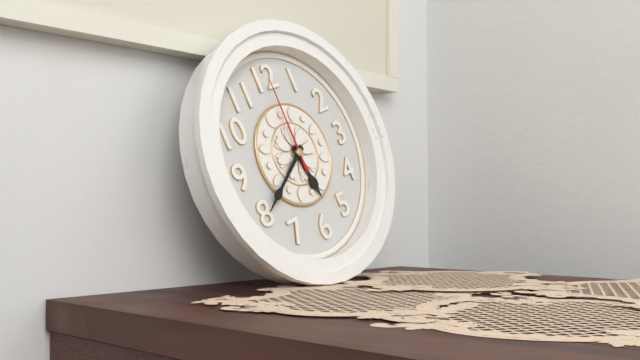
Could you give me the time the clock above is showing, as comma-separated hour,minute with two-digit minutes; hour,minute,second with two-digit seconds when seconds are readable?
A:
5,40,00
